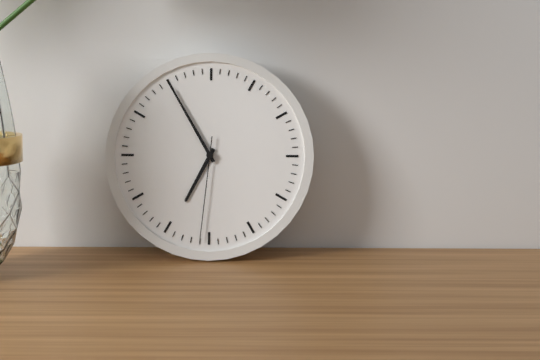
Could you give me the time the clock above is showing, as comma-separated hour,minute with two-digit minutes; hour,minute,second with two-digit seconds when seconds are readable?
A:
6,55,31
